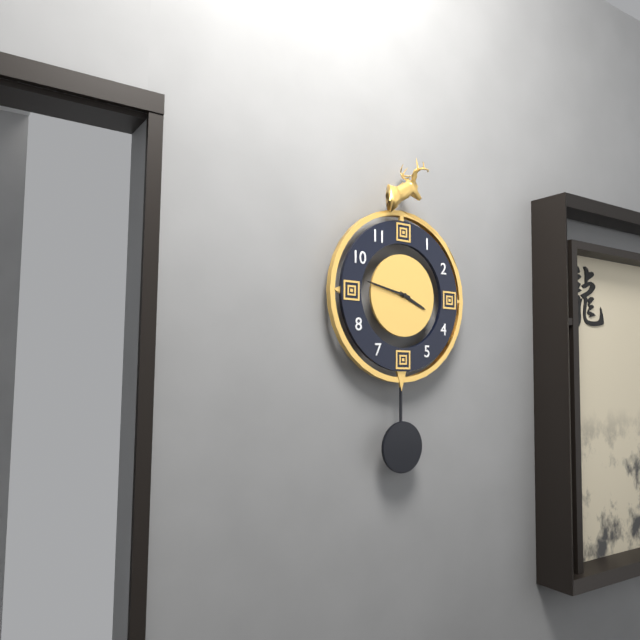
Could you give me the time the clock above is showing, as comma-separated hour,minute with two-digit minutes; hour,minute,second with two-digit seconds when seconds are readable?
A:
3,47
